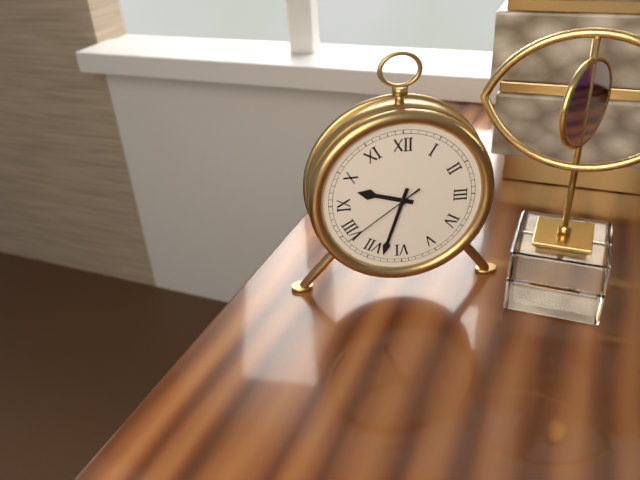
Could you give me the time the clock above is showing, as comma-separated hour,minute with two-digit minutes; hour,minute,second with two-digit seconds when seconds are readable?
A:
9,33,39
